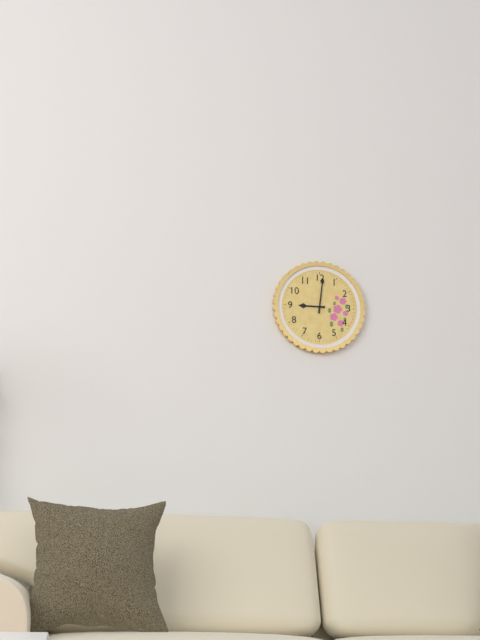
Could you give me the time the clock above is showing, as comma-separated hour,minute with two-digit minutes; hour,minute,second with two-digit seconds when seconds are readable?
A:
9,01
